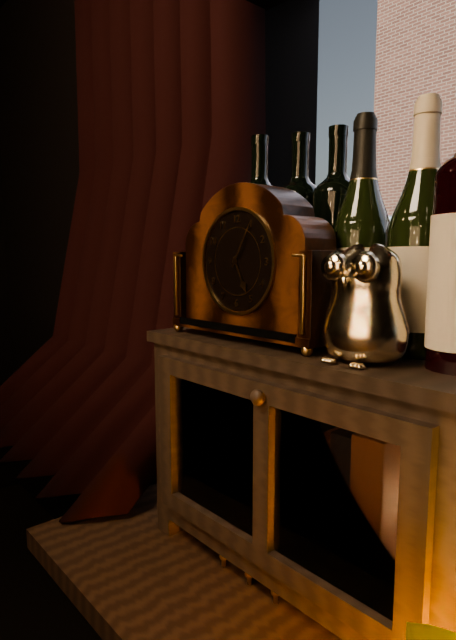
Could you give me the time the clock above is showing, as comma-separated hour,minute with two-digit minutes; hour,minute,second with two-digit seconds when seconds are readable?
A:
5,05
